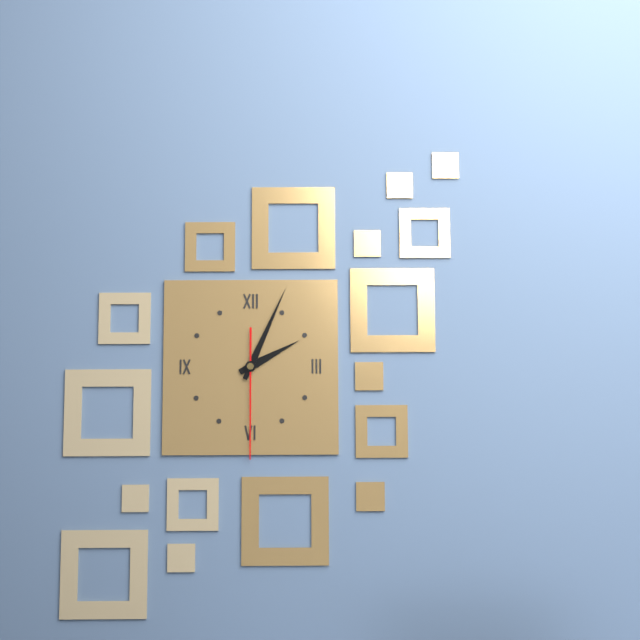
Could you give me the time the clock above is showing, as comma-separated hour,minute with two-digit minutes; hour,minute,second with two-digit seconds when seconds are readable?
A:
2,04,30
